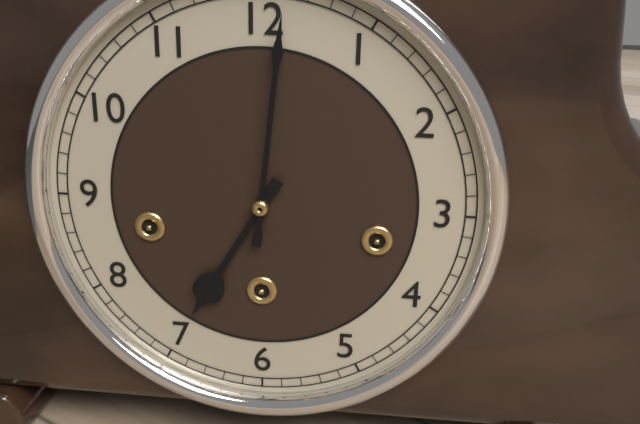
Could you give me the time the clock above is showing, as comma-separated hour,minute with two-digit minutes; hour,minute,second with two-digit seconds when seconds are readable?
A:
7,01
